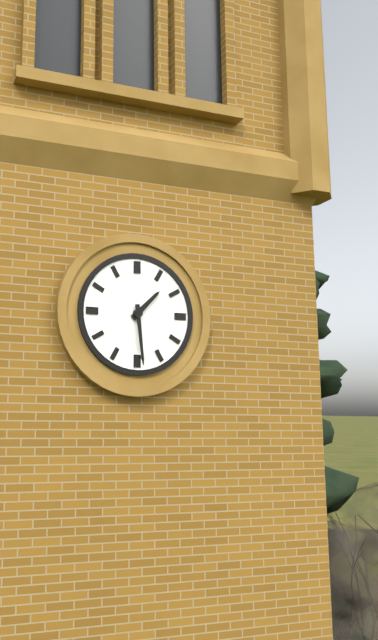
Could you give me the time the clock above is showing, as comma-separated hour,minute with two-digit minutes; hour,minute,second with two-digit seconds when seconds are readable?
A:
1,29
